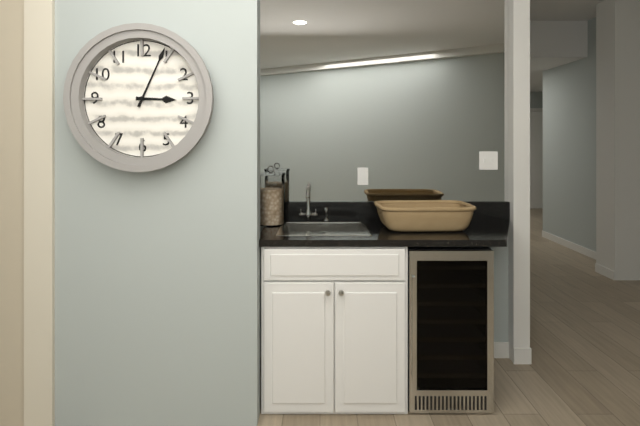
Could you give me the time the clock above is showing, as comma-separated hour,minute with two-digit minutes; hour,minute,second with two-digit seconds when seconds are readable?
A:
3,04
